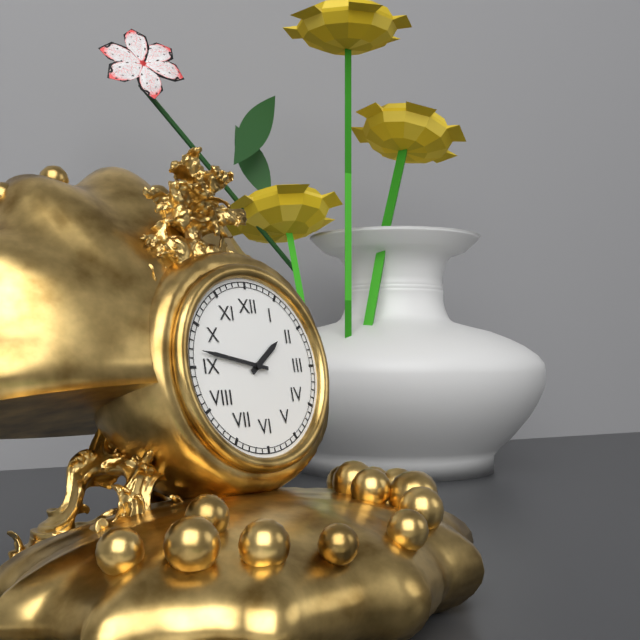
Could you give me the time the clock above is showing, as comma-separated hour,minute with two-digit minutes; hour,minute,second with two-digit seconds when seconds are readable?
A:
1,47
